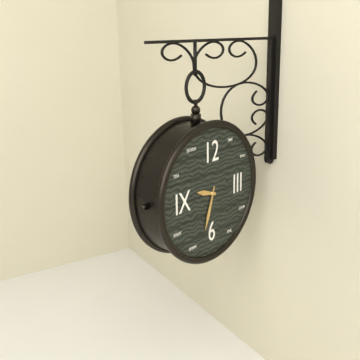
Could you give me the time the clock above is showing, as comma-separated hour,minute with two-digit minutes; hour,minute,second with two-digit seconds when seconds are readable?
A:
9,33
